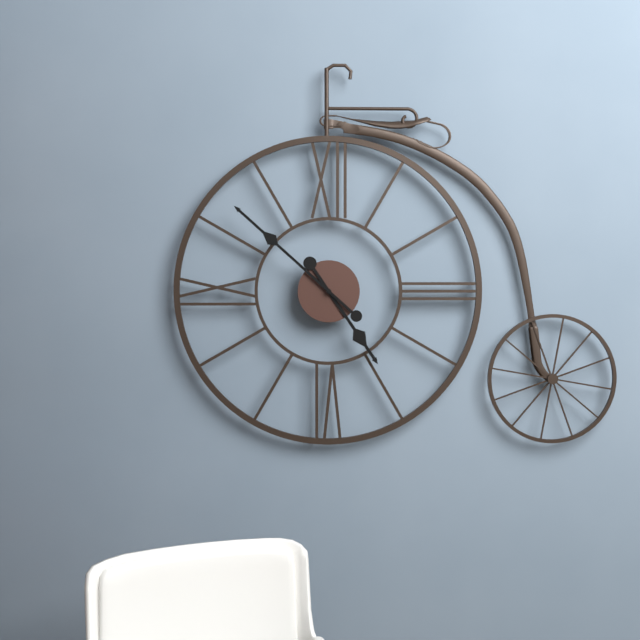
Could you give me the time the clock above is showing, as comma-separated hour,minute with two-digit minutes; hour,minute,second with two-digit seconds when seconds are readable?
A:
4,52
